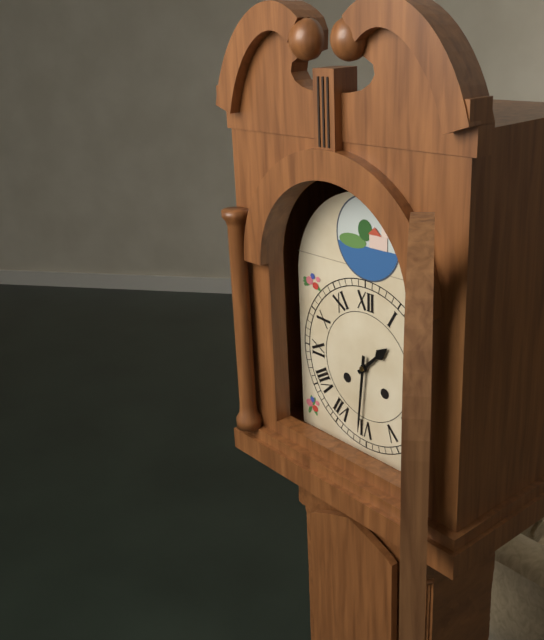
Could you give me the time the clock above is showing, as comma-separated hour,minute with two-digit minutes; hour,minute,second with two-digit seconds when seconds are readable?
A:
1,31
